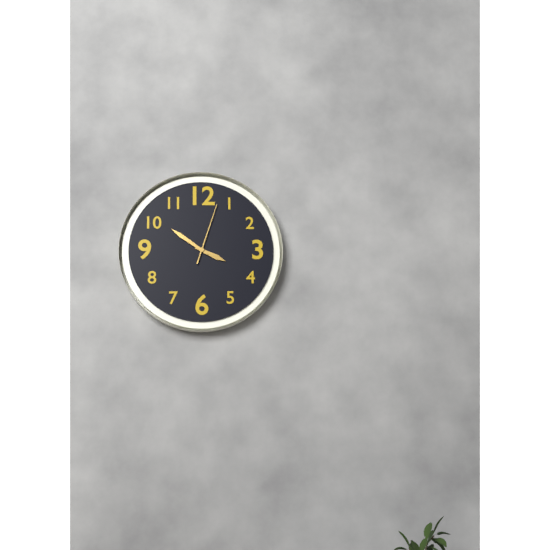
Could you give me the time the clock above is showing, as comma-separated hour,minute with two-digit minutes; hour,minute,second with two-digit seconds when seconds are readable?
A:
3,51,03
